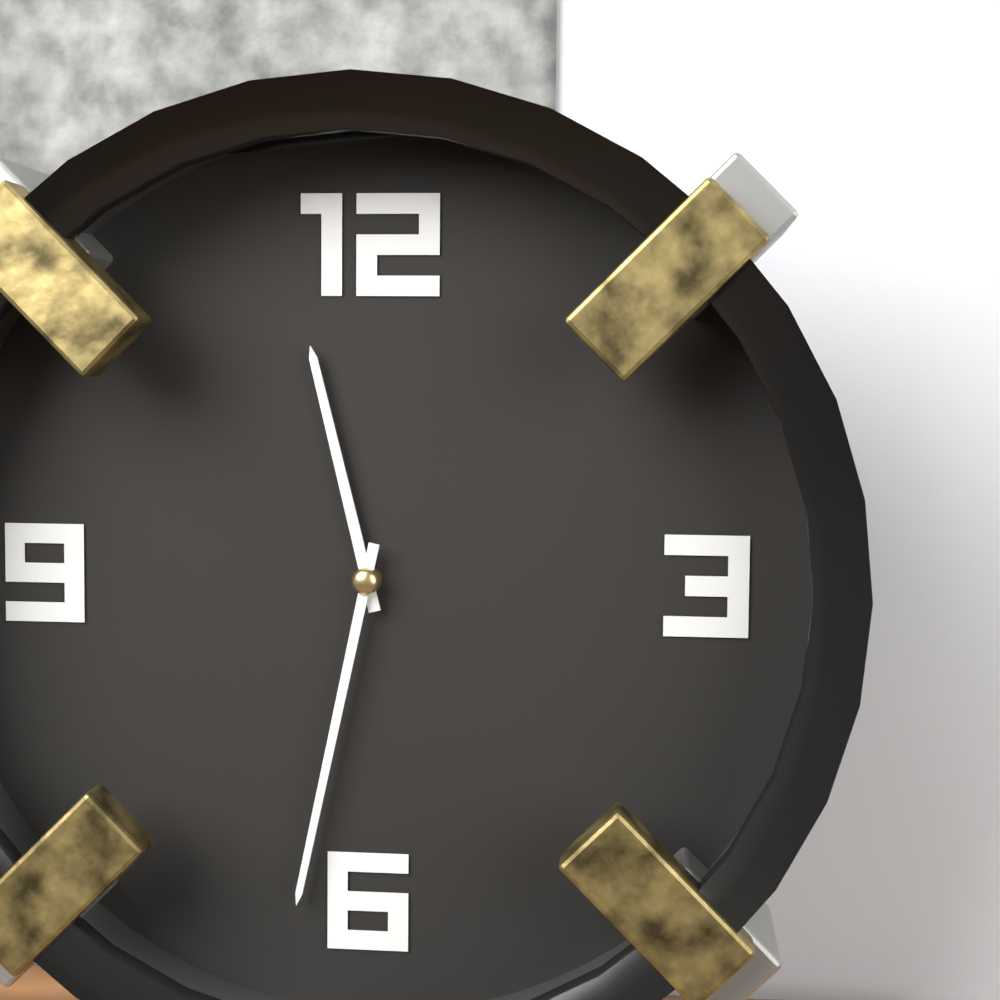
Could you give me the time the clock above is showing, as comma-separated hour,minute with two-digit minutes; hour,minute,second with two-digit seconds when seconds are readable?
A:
11,32
